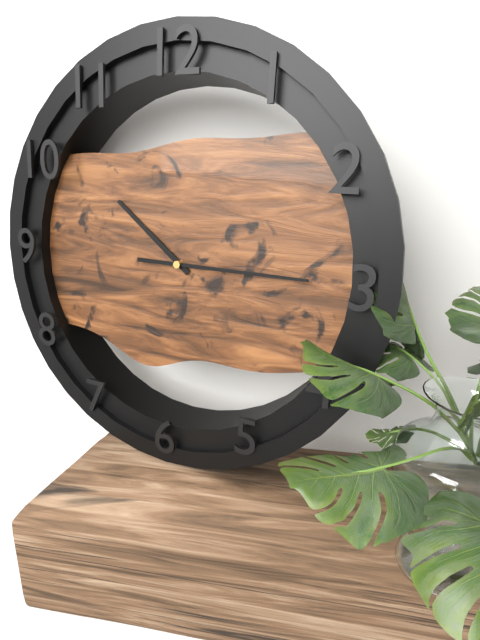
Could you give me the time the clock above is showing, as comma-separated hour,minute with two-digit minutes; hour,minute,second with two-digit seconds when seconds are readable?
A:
10,15
